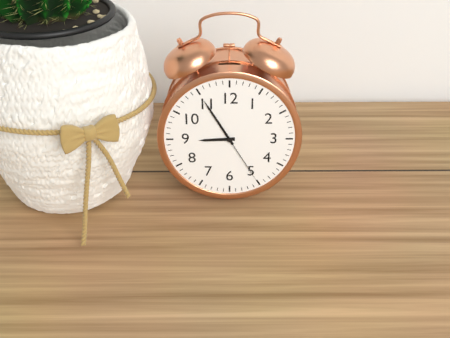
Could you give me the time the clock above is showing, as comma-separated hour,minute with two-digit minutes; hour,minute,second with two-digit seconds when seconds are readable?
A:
8,55,25
